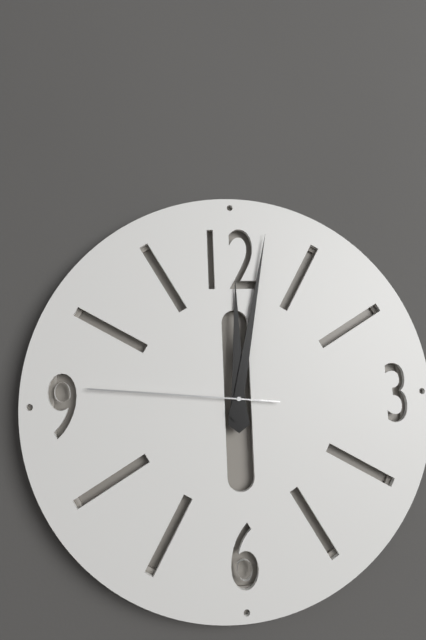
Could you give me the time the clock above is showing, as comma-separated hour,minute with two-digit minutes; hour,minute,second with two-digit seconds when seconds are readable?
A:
12,02,46
